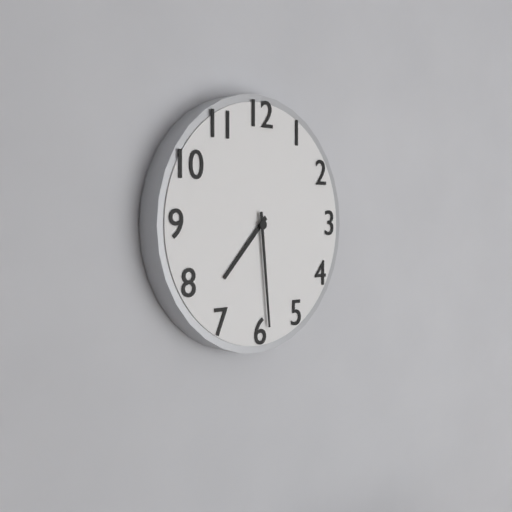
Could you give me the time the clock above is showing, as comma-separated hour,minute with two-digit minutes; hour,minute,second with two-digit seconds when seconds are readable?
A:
7,29
